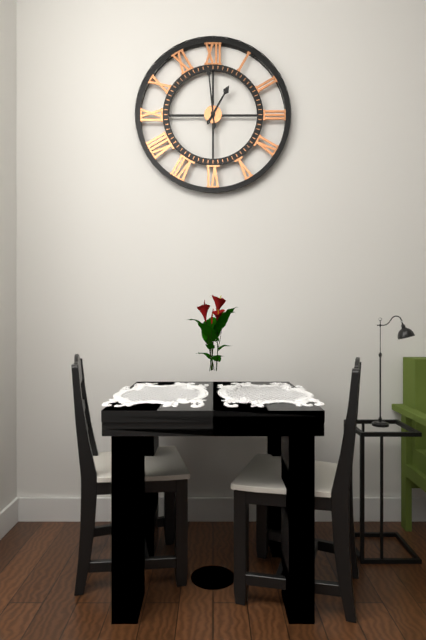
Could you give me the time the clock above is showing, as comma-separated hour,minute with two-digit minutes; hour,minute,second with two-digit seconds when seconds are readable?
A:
12,59
